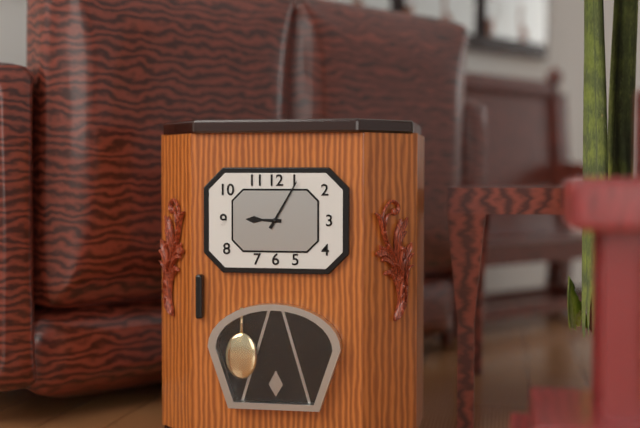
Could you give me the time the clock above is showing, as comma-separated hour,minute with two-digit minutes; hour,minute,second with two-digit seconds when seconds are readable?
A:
9,05
